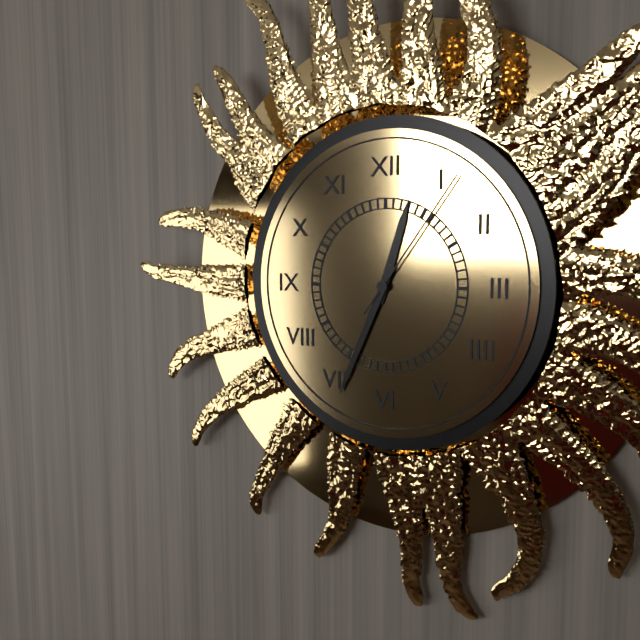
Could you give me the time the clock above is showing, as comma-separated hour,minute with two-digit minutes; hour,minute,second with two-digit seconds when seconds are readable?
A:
12,34,06
